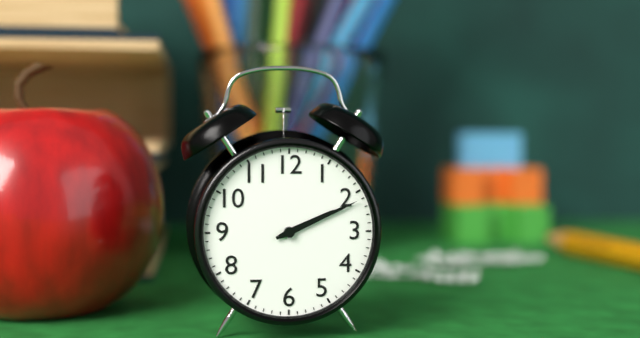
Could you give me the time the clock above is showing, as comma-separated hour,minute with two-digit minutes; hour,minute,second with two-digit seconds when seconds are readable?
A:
2,11
